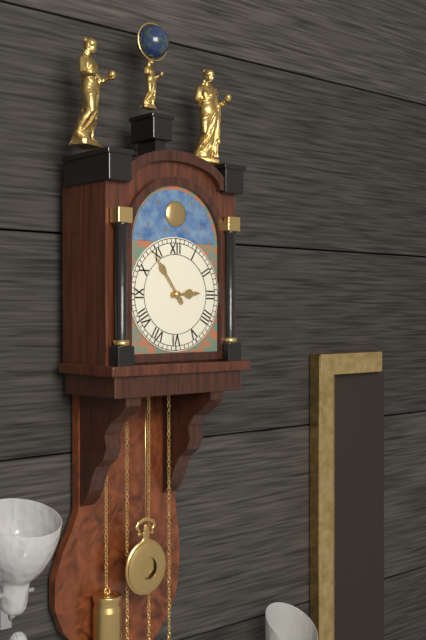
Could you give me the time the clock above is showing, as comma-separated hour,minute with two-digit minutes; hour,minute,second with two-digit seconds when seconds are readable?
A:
2,54
